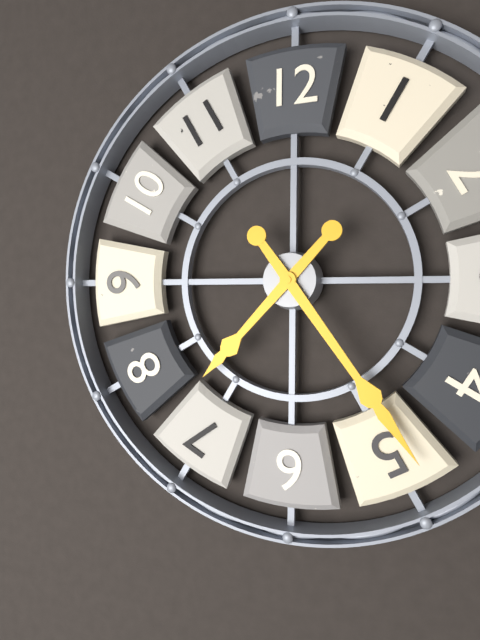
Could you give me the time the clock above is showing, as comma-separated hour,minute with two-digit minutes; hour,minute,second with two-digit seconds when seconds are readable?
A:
7,24
